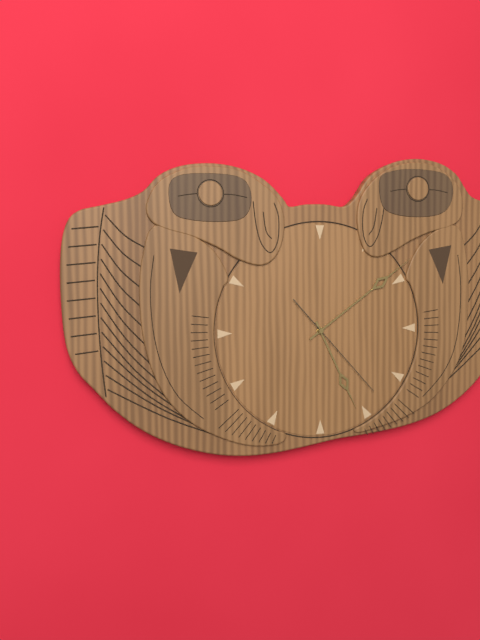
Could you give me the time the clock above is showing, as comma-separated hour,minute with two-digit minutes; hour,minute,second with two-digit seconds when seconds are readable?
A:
5,09,23
